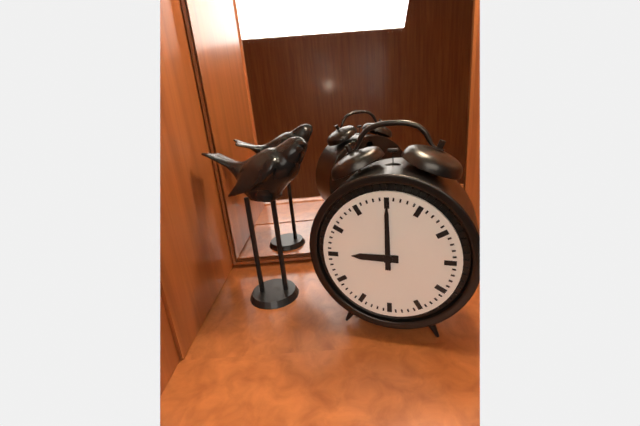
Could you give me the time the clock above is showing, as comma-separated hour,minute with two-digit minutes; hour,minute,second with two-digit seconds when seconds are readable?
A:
9,00
